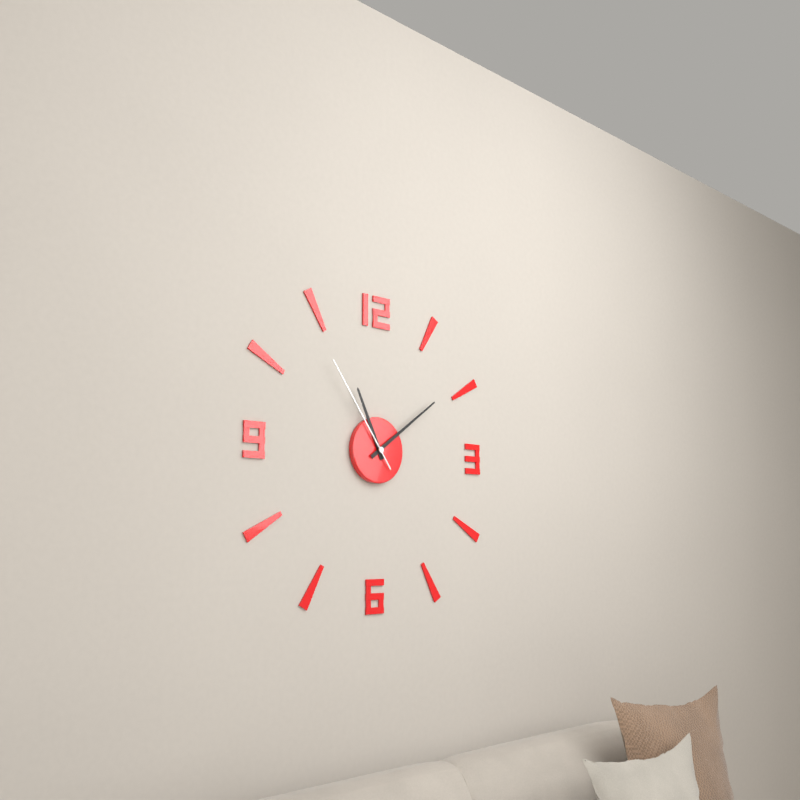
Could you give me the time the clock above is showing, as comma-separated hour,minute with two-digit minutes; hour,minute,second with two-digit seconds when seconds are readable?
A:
11,09,54
